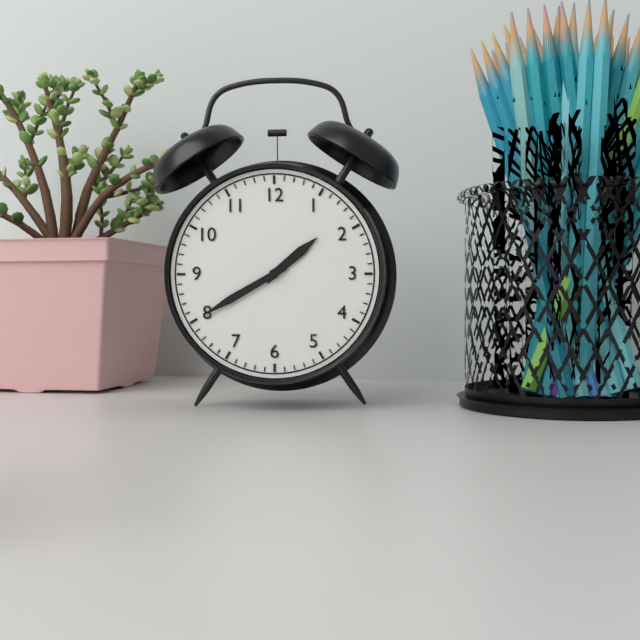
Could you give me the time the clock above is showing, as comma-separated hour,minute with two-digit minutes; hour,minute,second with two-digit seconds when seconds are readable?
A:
1,40
